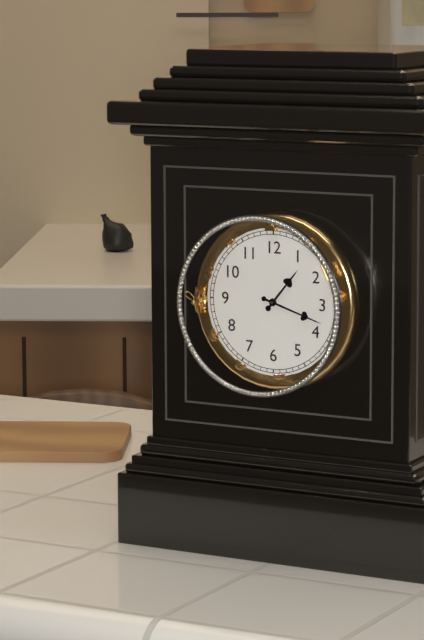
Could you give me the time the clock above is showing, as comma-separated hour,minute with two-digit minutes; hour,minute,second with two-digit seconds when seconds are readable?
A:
1,18
